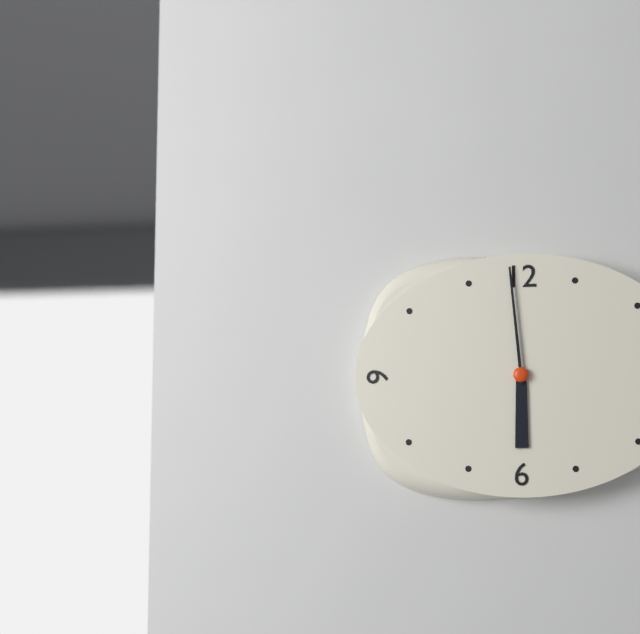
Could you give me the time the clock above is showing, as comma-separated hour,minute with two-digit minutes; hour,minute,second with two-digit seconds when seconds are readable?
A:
5,59
